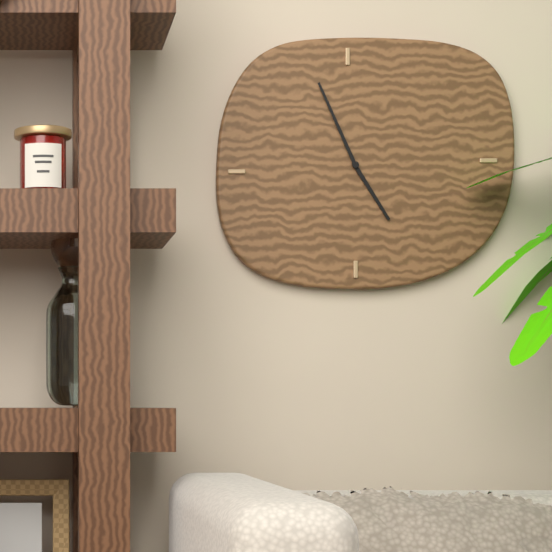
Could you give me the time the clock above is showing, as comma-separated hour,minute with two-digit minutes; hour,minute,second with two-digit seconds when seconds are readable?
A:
4,56
